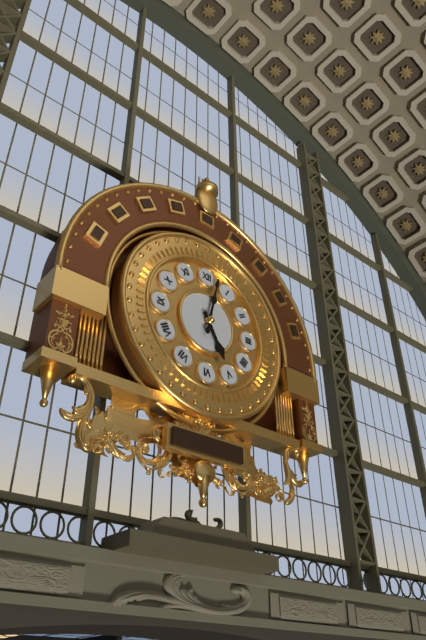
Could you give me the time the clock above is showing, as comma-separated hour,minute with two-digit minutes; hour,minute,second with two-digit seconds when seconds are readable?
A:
5,02
